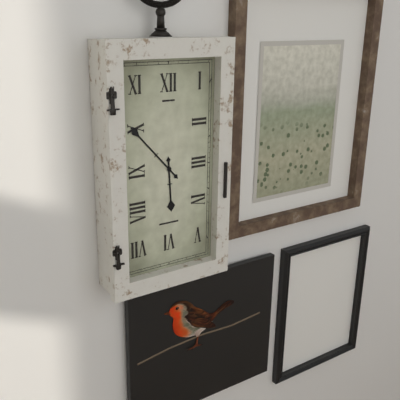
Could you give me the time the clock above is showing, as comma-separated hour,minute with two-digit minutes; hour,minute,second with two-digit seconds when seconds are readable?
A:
5,53
